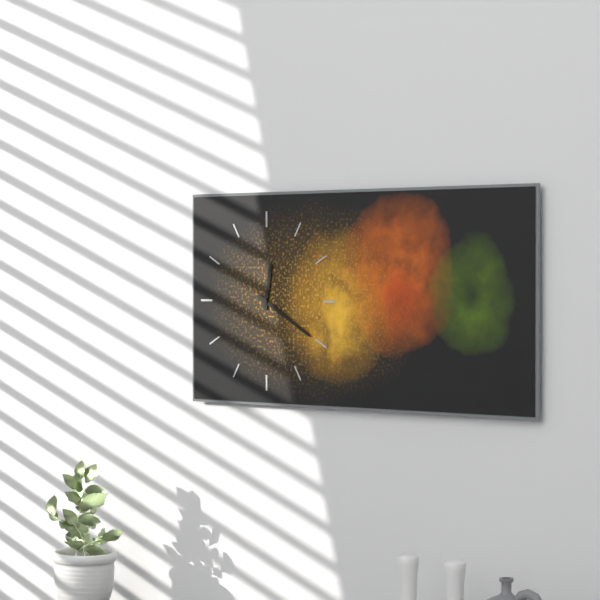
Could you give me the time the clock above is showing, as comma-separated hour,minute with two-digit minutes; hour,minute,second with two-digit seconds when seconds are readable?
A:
12,20
